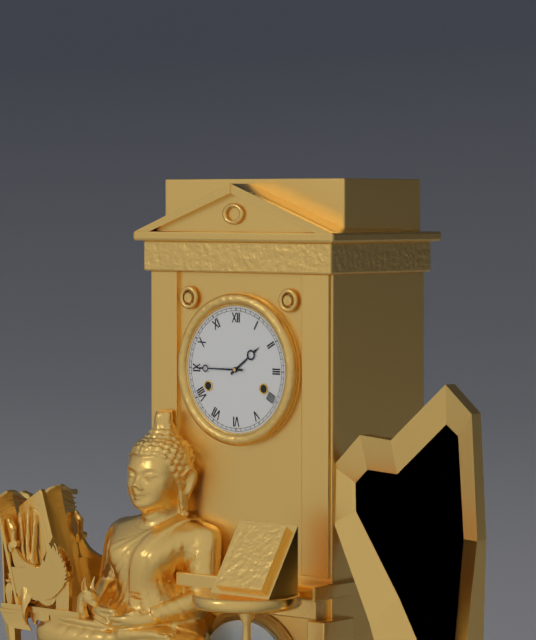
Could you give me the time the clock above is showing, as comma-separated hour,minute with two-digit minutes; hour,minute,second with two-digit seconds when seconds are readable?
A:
1,45
